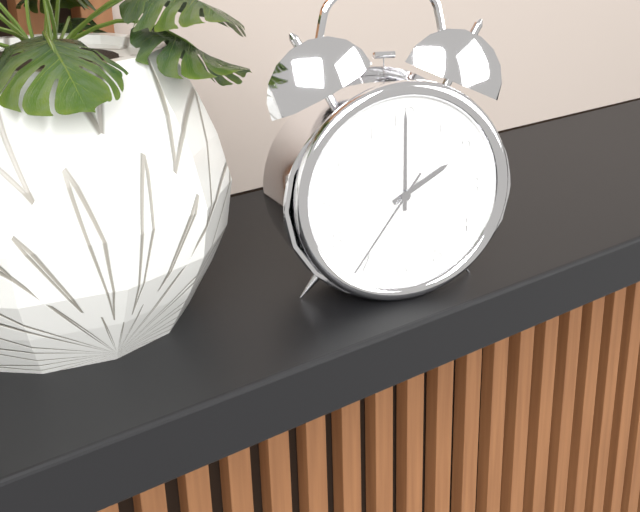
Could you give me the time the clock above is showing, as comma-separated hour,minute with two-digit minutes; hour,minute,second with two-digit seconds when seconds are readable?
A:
2,00,36
